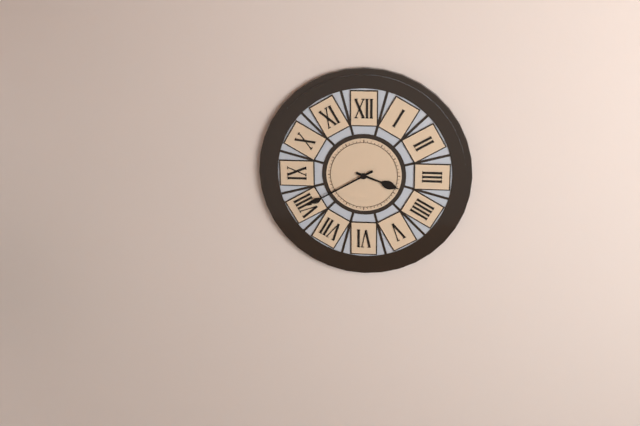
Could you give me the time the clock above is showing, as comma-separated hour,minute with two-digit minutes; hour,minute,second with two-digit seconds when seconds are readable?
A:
3,40
